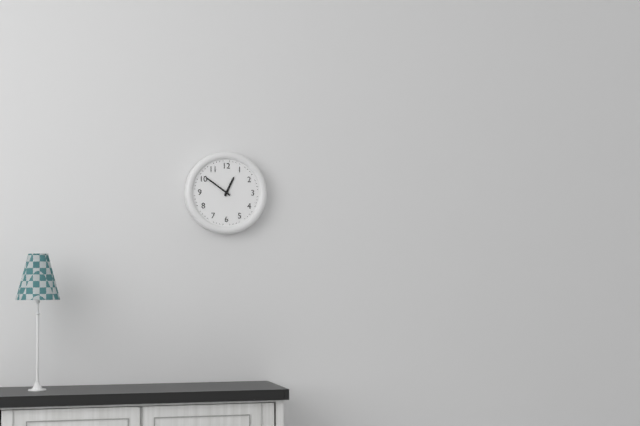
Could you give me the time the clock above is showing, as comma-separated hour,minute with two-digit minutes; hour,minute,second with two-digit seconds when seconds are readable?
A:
12,51
